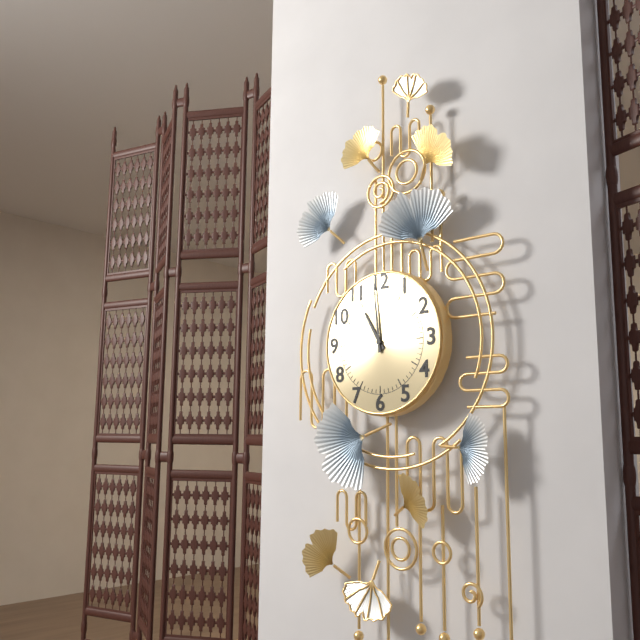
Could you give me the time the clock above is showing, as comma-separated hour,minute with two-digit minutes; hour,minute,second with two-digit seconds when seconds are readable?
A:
10,59
